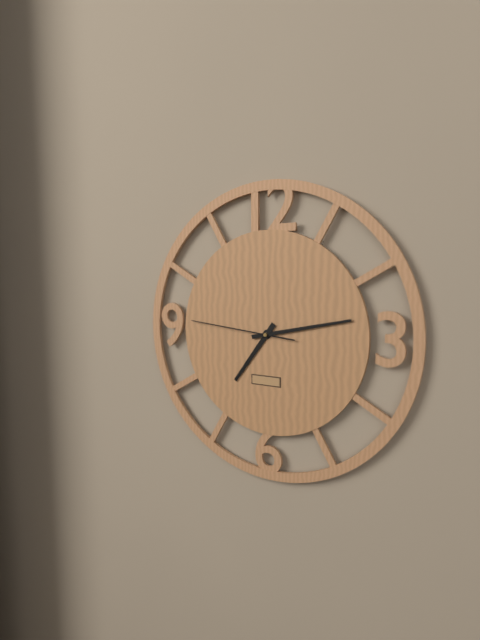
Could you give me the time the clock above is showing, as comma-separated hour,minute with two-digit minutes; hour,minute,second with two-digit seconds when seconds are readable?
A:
7,13,46
